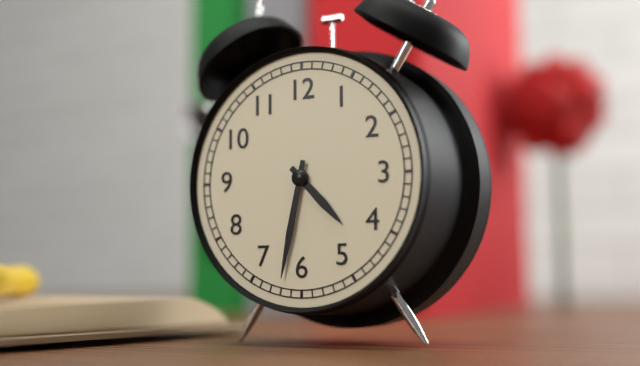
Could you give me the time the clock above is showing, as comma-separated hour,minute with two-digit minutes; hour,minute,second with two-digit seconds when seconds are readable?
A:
4,32
